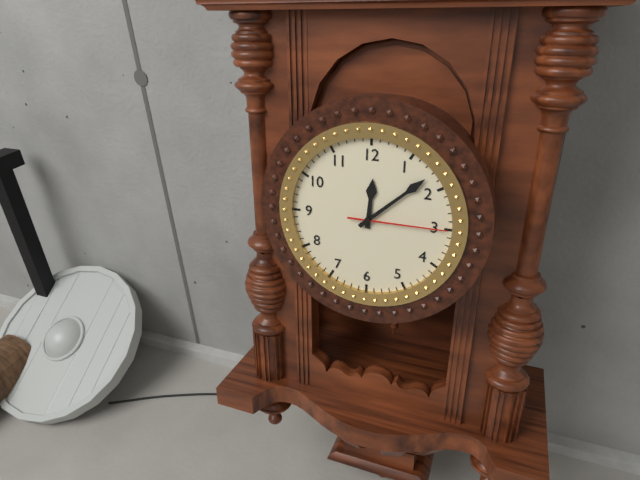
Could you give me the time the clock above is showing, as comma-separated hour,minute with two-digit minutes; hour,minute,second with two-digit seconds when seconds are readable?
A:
12,08,15
